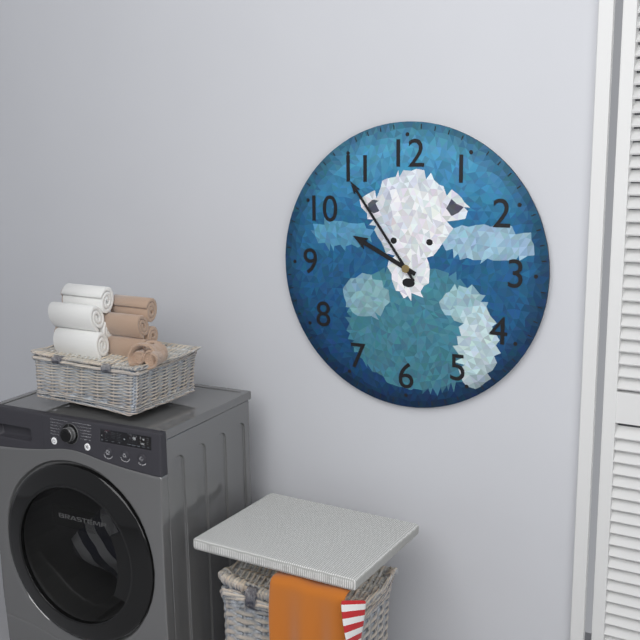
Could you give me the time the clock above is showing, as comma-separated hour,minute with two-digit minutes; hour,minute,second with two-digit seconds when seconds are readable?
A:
9,54
